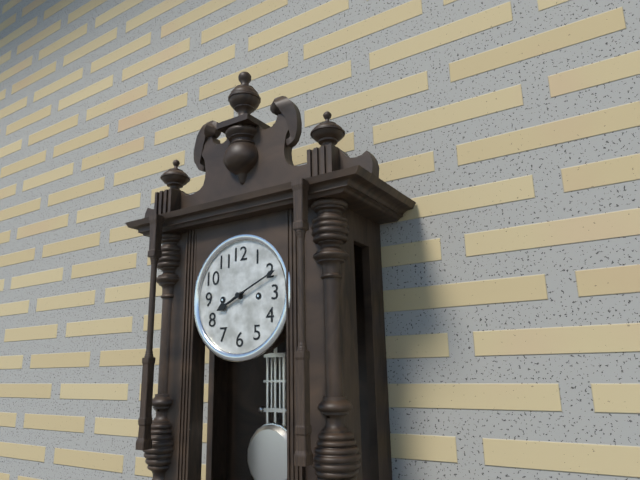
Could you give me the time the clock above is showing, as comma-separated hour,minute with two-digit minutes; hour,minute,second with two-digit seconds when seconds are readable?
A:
8,11
